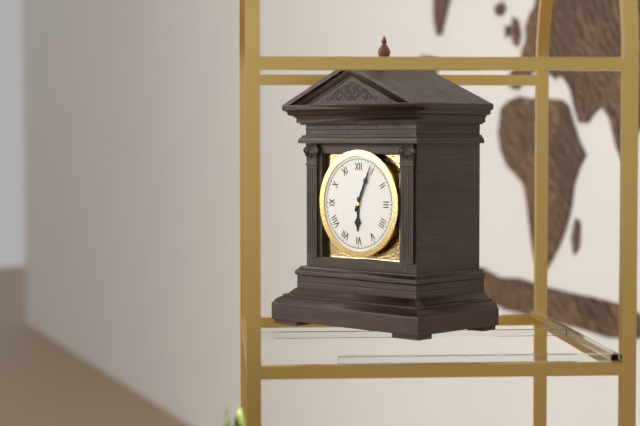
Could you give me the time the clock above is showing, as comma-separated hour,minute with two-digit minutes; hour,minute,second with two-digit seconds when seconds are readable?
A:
6,04
